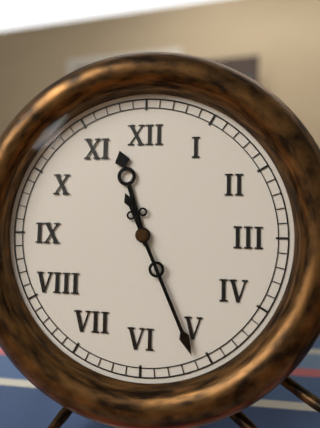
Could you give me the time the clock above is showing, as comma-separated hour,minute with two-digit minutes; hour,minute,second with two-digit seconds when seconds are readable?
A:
11,26
